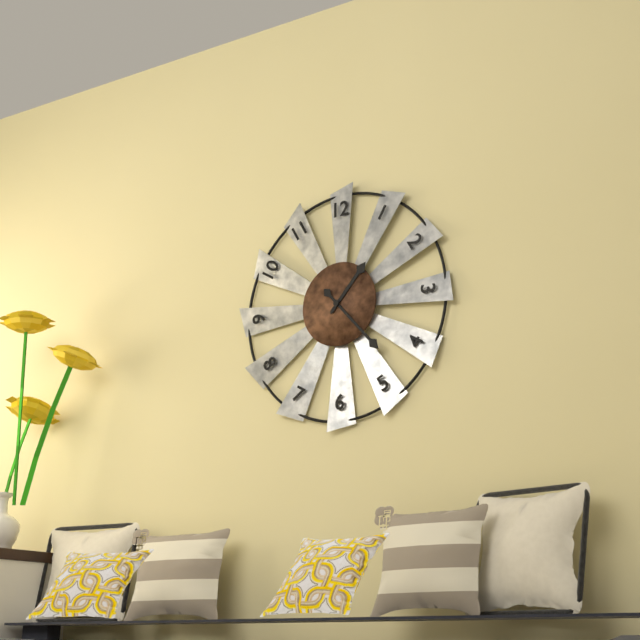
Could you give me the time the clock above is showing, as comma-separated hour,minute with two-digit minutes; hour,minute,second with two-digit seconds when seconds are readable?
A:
1,23
